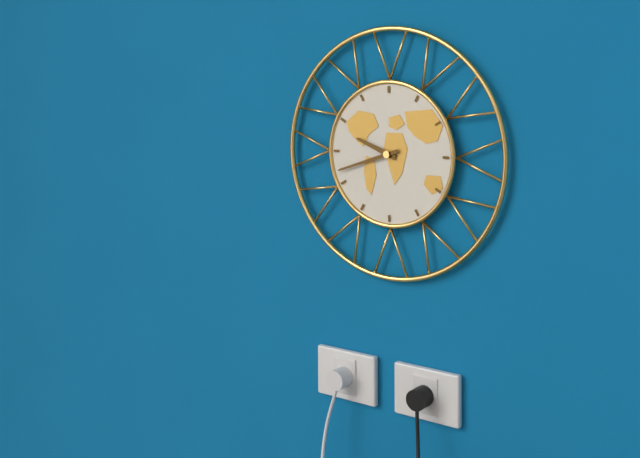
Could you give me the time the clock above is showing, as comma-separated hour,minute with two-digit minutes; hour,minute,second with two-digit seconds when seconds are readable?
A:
9,42
